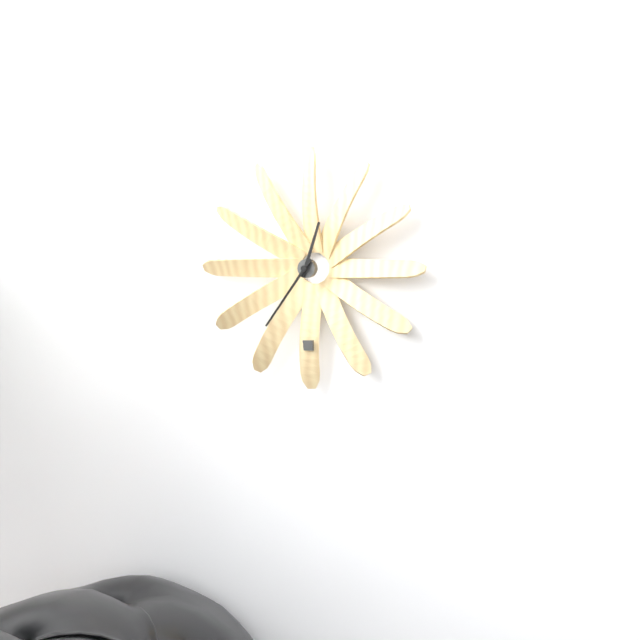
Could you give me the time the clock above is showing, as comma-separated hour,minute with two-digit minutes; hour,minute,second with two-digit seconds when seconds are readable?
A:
12,36
